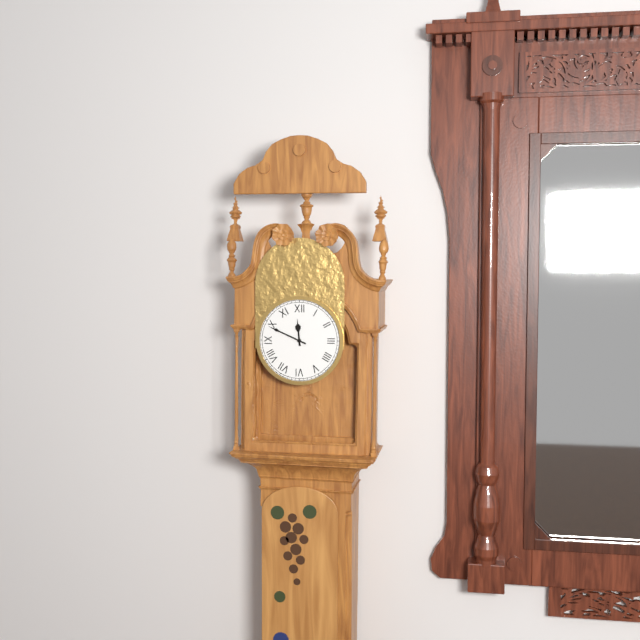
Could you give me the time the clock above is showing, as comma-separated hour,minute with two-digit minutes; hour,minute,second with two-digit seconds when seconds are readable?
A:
11,49
